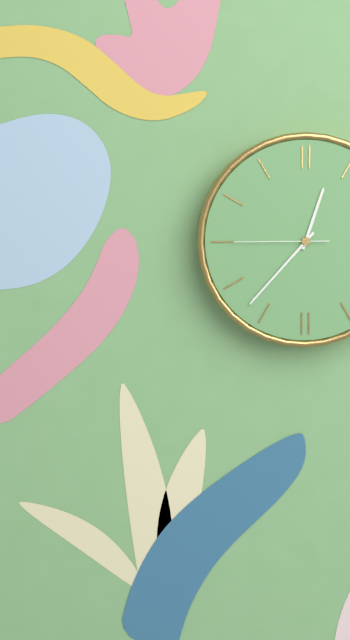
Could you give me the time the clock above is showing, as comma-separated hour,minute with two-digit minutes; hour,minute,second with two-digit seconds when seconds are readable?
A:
12,37,45
